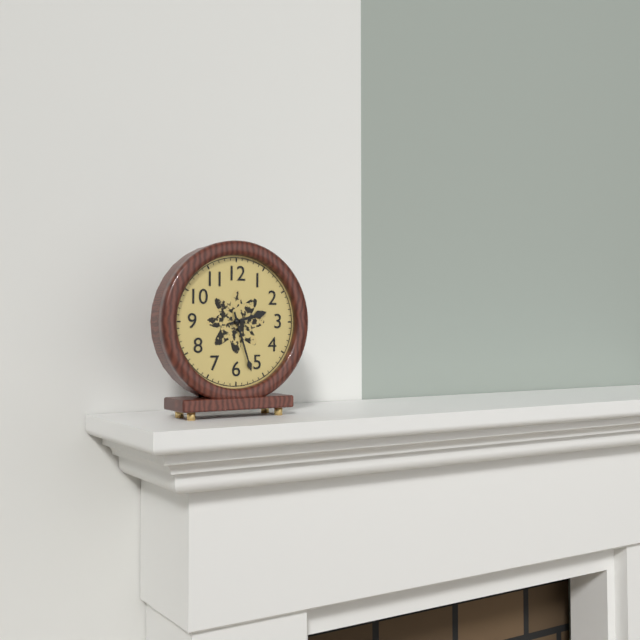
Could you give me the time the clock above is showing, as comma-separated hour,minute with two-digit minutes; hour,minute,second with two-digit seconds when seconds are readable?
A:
2,27
